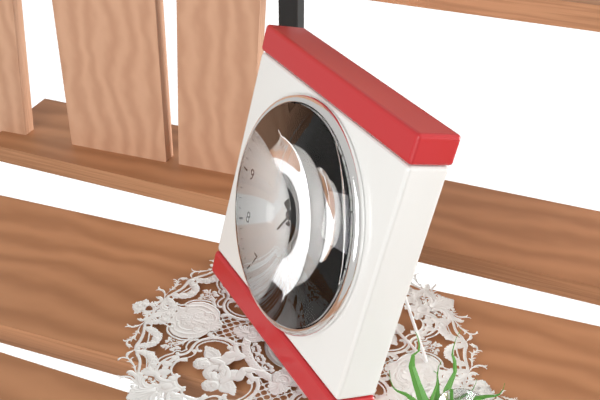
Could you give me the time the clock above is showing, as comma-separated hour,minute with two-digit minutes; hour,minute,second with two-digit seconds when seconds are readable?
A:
12,20,05
